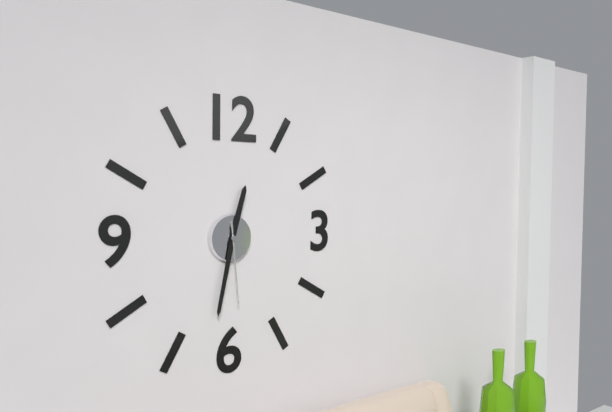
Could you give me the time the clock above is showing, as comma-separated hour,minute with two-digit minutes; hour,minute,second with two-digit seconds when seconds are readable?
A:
12,32,29
